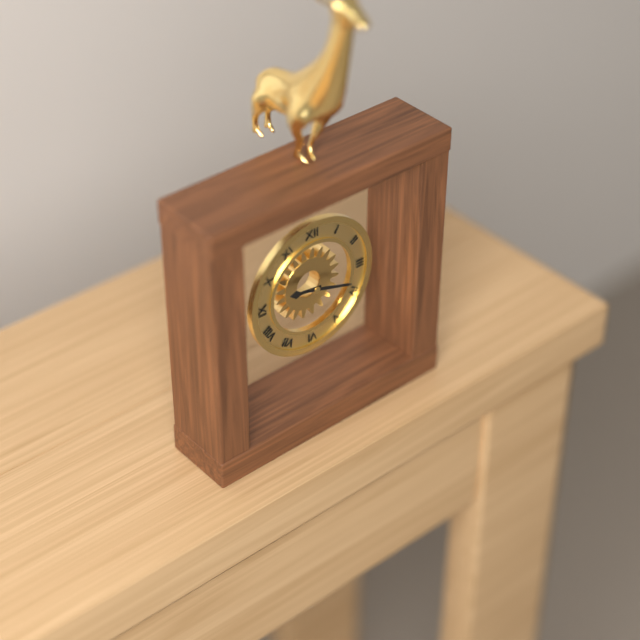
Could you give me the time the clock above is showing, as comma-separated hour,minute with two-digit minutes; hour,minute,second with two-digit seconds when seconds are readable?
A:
9,18
